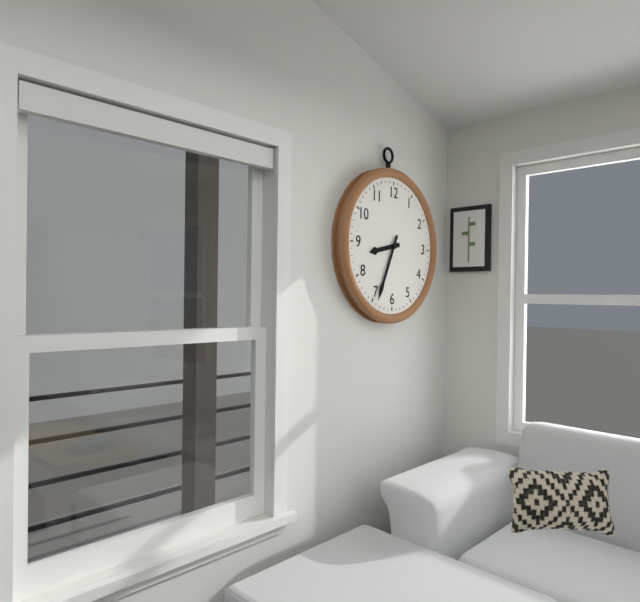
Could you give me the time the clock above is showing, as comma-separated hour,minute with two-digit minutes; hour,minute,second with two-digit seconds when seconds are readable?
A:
8,34
